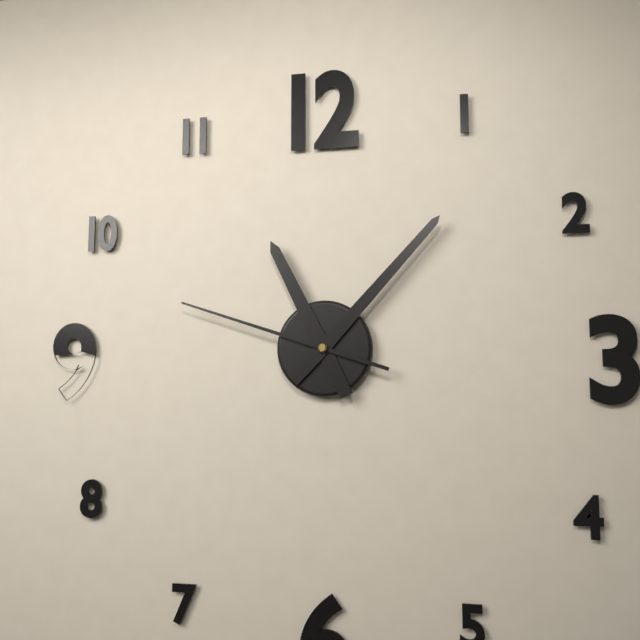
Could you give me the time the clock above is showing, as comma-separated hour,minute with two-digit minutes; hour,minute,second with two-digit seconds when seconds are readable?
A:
11,07,48
